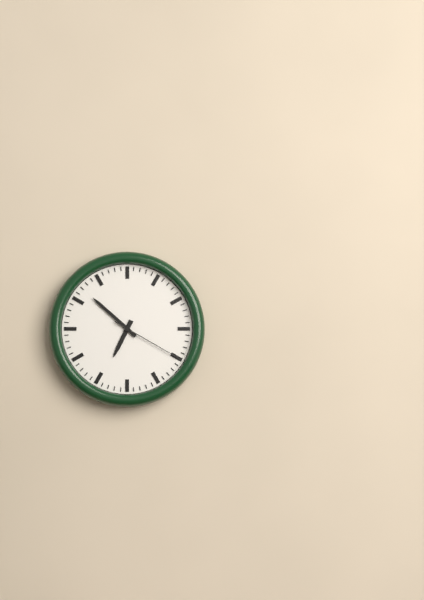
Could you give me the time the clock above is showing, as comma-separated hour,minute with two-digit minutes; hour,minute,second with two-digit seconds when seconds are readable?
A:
6,52,20
